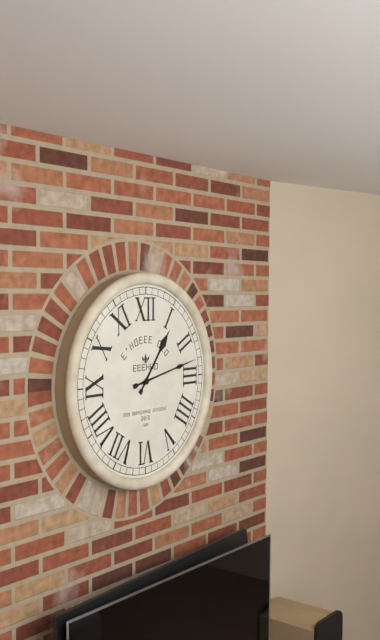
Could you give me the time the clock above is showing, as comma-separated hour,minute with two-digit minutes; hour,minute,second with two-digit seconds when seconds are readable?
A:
1,13
